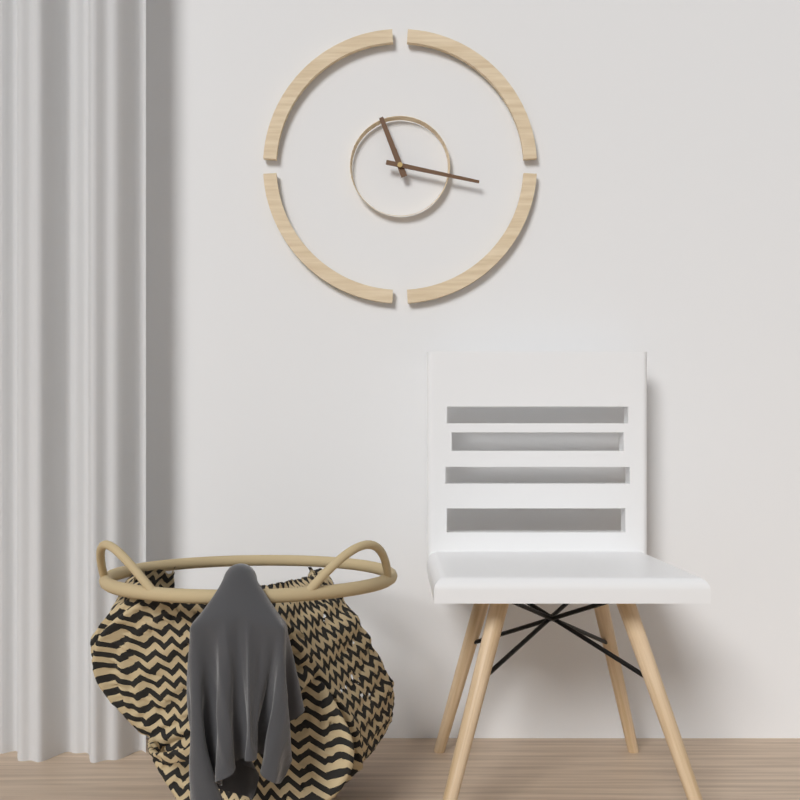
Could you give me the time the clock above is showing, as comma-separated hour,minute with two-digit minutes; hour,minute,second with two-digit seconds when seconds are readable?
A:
11,17
